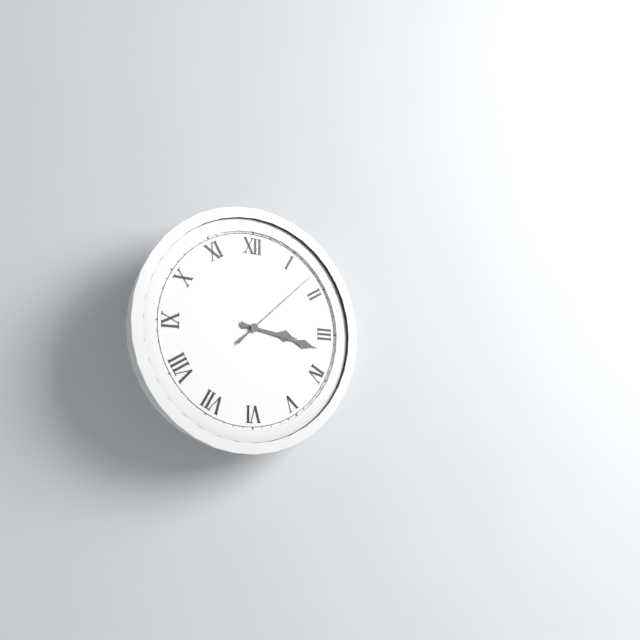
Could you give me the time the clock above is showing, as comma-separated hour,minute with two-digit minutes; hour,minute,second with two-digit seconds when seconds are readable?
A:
3,17,08
